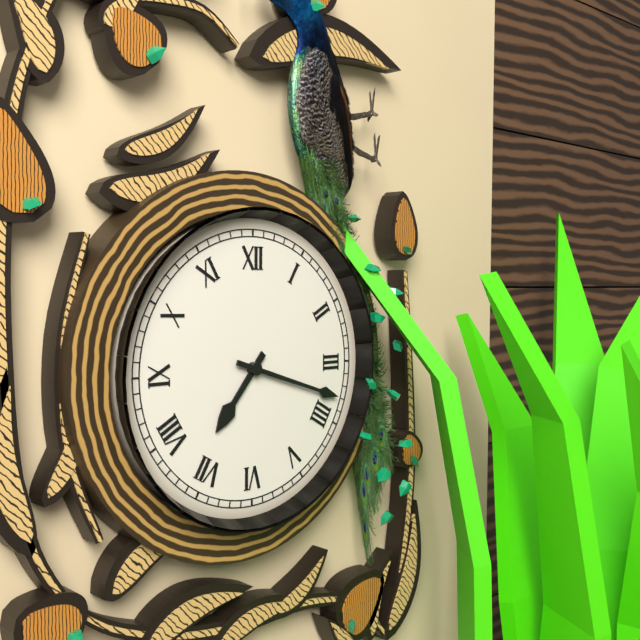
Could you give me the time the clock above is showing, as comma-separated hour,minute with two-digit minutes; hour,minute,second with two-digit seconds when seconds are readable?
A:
7,18
